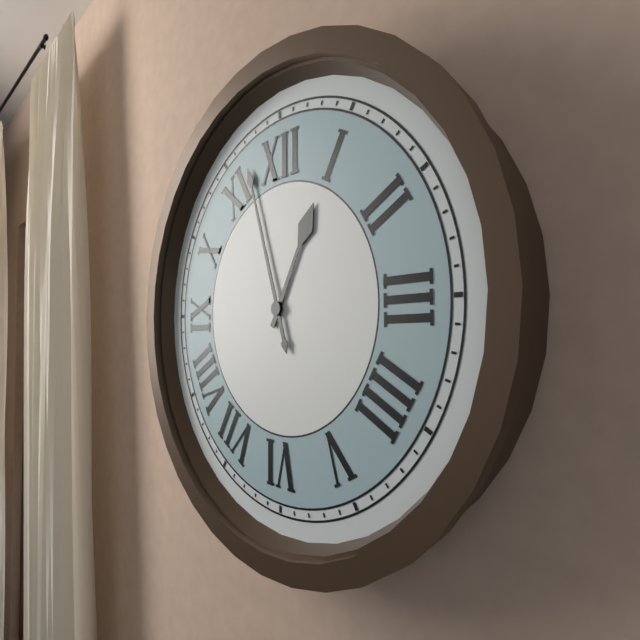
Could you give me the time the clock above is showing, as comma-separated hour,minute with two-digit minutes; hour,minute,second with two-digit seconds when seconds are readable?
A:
12,57
